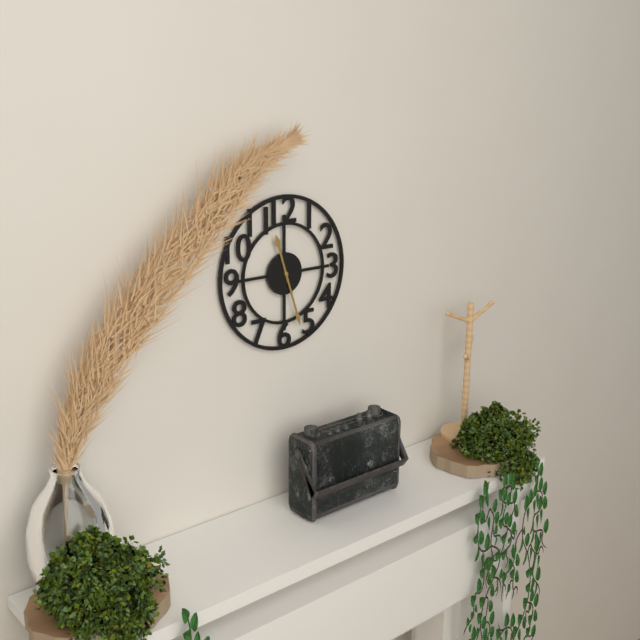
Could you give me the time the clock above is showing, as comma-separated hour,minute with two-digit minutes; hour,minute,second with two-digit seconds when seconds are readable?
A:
11,27
